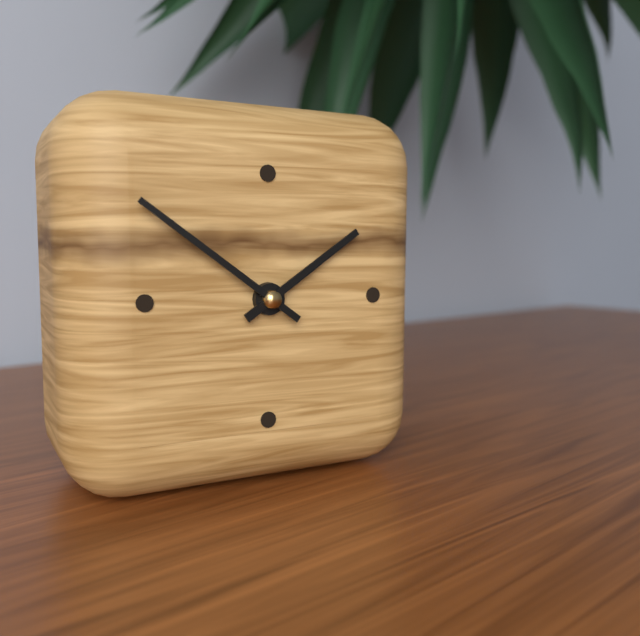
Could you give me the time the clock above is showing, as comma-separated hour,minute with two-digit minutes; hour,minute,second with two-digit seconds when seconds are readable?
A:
1,51
